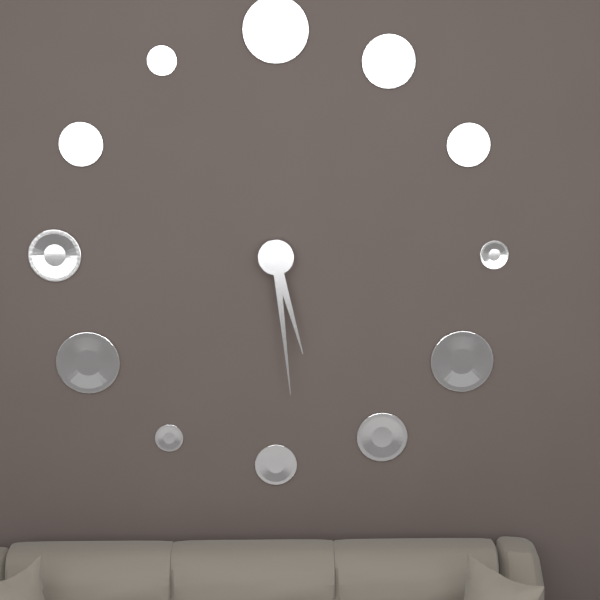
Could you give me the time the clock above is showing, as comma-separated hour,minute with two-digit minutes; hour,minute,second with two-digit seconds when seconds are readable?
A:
5,29
